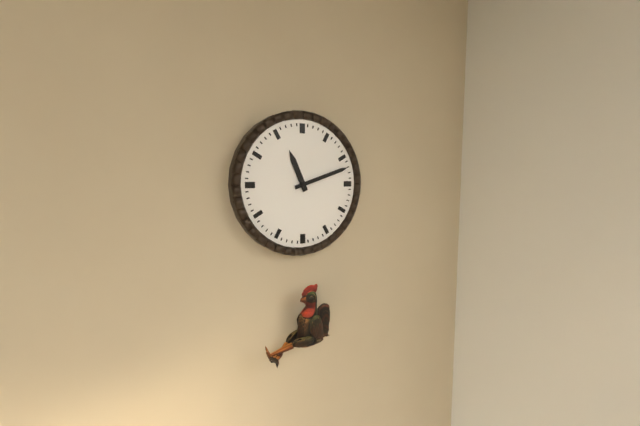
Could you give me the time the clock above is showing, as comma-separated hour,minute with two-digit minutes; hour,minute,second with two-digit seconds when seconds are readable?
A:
11,12
